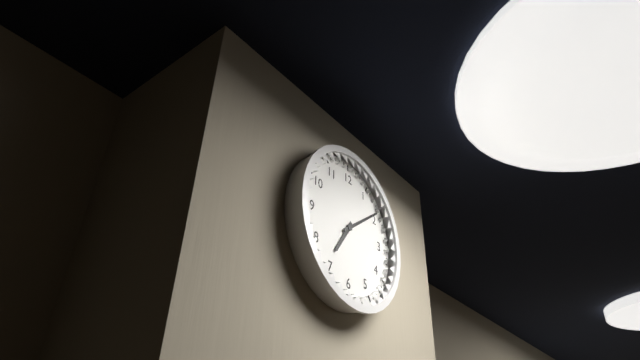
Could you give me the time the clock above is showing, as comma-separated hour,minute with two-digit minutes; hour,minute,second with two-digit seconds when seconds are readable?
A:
7,09
